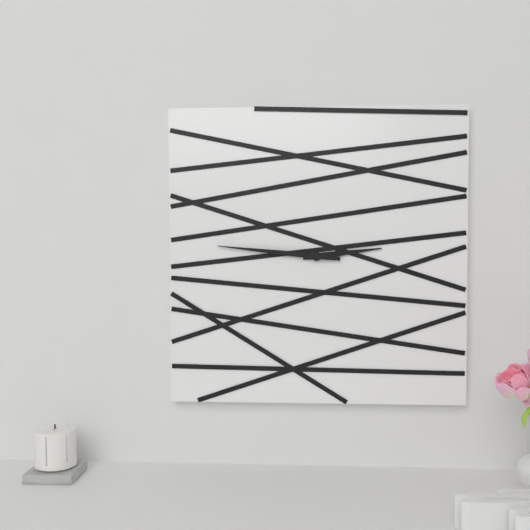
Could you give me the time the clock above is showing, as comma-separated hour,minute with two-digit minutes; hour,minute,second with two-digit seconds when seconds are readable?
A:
2,46
